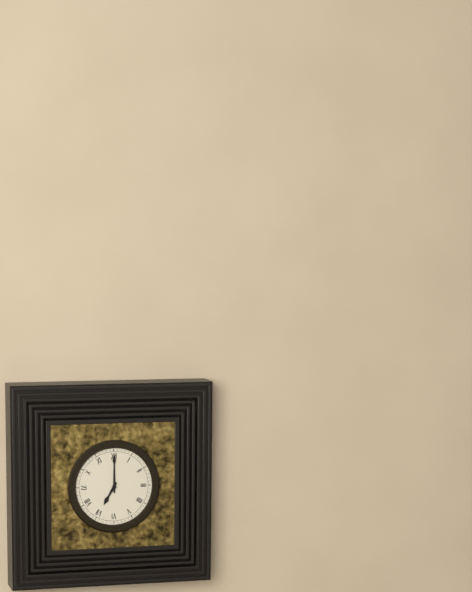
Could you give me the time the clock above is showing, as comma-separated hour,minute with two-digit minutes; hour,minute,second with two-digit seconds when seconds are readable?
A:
7,00
